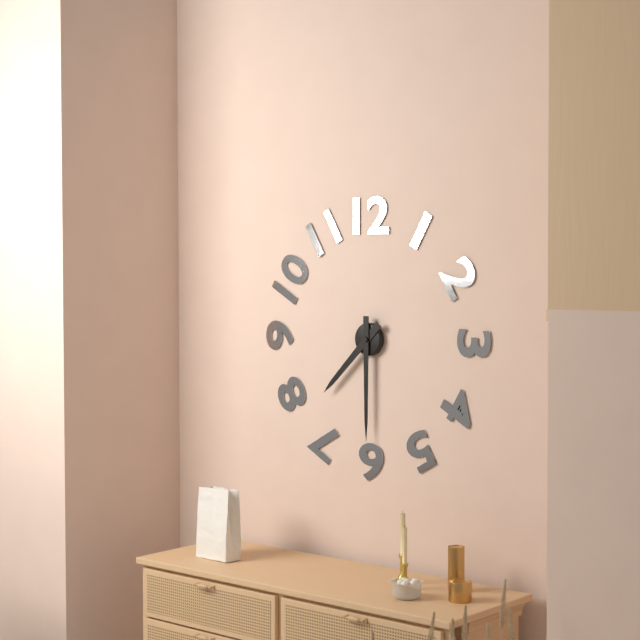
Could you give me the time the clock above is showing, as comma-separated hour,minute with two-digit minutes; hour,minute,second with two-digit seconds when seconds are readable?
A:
7,30
